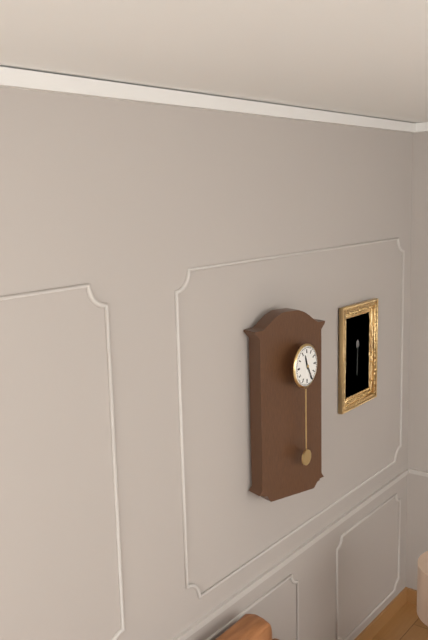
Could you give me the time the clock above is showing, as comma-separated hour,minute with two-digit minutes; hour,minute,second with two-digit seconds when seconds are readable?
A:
11,25
